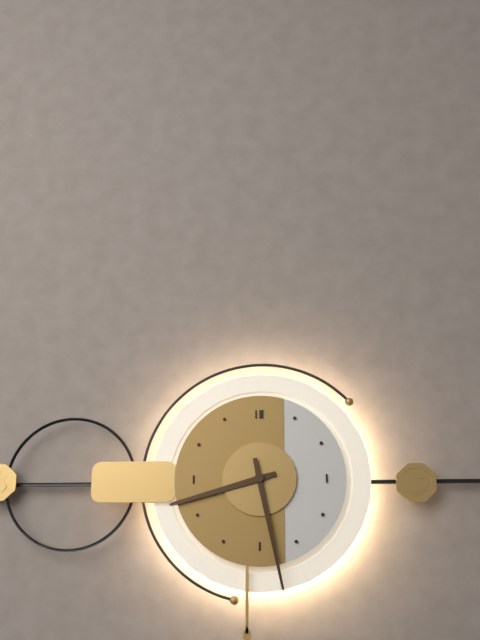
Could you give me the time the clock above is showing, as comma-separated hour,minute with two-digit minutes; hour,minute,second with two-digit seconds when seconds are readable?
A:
8,28
